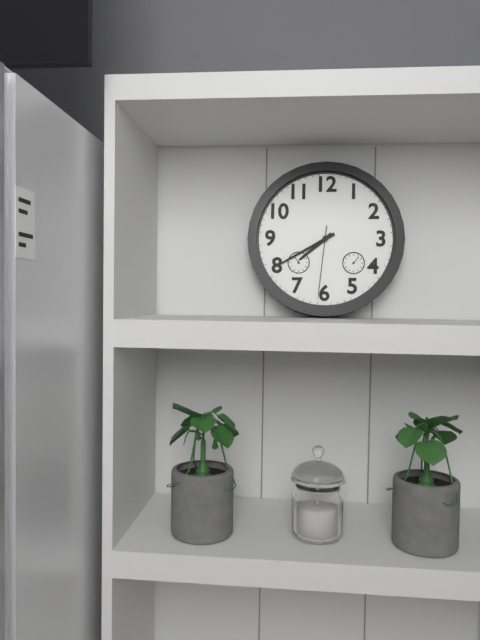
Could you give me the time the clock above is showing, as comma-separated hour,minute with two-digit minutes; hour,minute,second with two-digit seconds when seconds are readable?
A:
7,40,31
